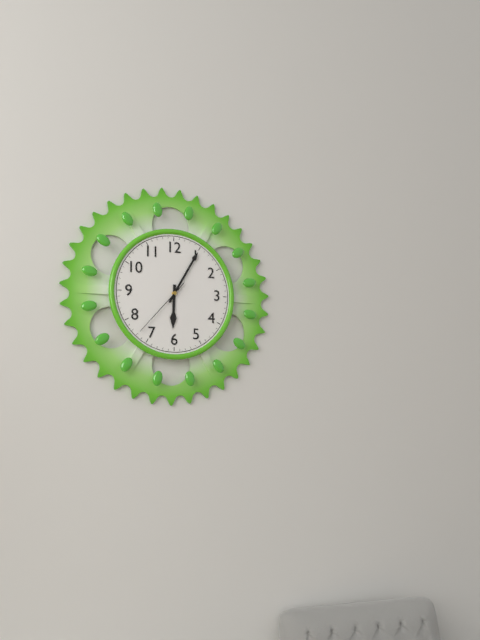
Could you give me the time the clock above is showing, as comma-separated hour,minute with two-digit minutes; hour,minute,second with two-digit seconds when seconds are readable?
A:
6,05,37
